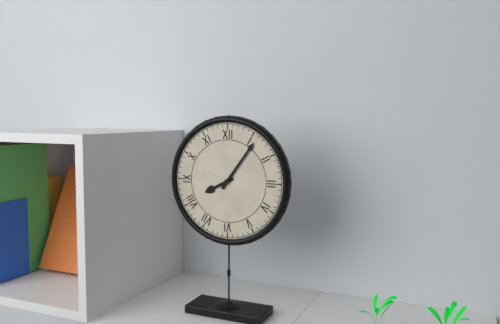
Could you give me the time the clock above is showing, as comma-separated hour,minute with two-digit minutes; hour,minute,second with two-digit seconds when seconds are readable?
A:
8,06
